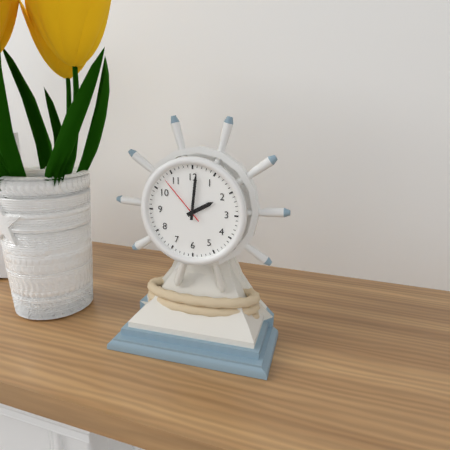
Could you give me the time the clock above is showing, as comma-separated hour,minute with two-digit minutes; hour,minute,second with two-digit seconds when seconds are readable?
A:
2,01,53
